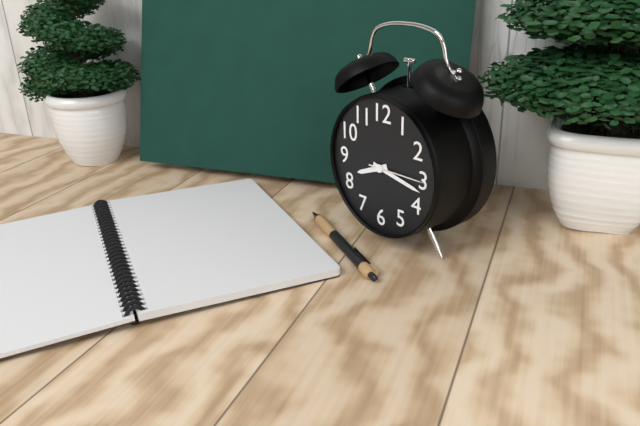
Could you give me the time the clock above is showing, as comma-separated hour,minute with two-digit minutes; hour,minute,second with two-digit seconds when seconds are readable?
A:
8,17,15
